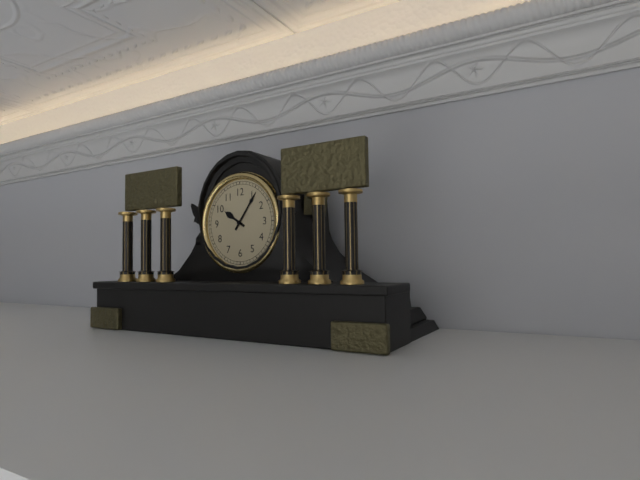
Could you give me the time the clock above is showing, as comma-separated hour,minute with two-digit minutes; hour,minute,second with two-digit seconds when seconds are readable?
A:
10,06
